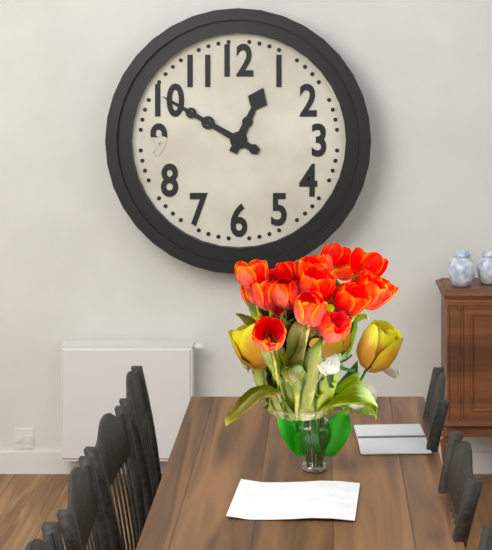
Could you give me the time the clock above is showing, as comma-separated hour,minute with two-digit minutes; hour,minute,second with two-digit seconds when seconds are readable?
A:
12,50
